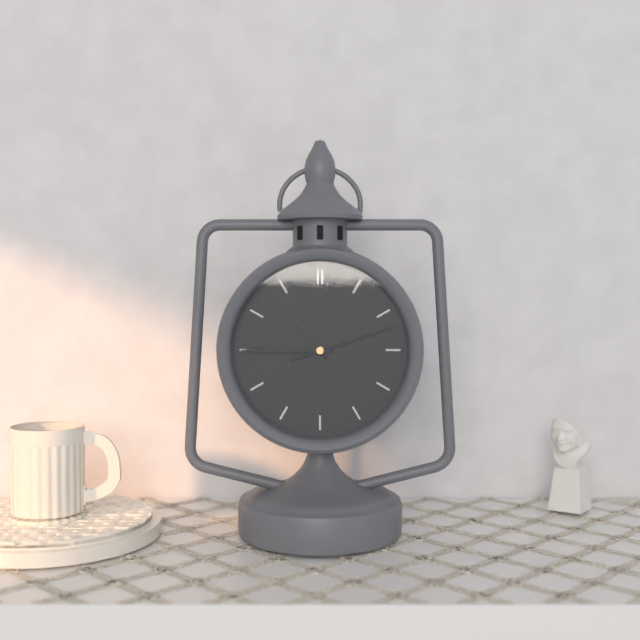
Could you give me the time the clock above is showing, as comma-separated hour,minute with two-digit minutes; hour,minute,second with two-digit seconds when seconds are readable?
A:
10,45,12
